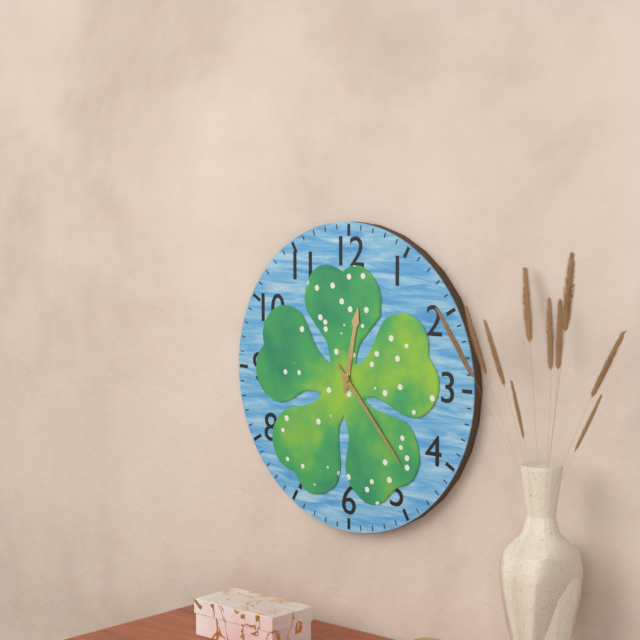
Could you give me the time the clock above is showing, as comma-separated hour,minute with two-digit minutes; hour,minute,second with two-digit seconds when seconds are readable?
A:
12,23
